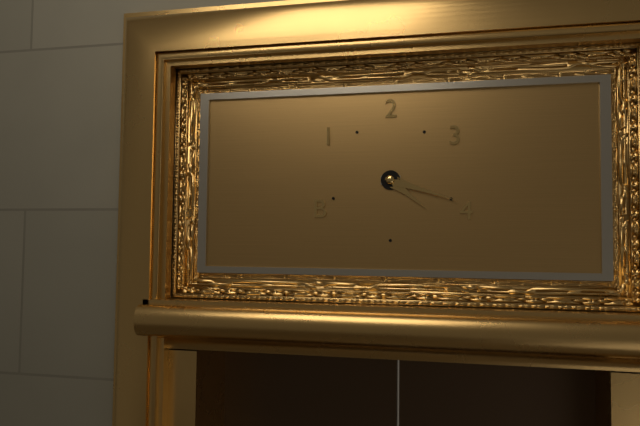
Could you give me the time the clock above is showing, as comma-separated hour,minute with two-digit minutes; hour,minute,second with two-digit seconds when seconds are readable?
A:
4,18
